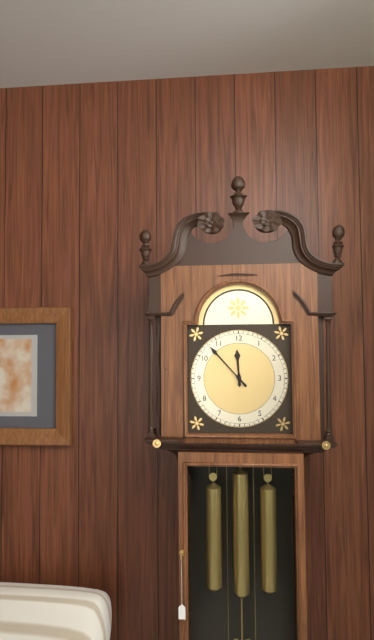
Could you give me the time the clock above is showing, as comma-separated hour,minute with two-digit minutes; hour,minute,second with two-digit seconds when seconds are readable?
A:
11,53
